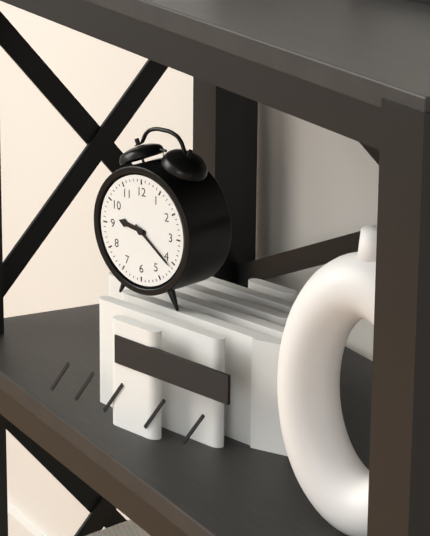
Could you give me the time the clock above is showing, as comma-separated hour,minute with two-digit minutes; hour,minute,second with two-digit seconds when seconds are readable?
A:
9,21
